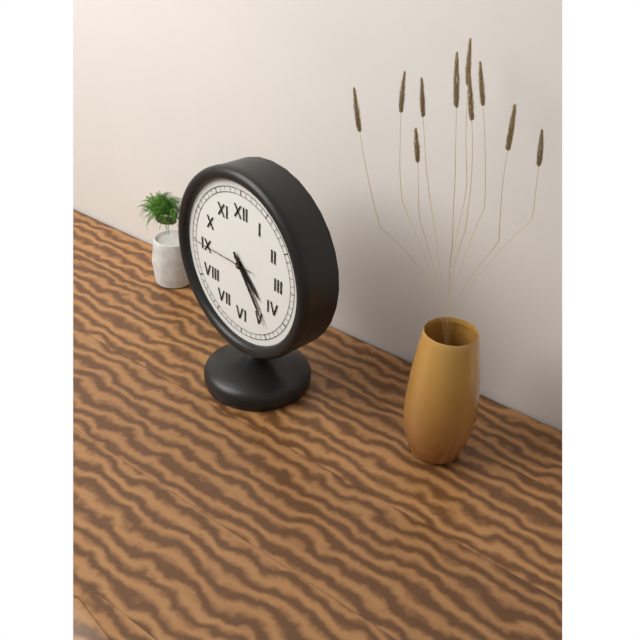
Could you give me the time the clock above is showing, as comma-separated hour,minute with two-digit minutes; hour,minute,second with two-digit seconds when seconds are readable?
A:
4,24,45
